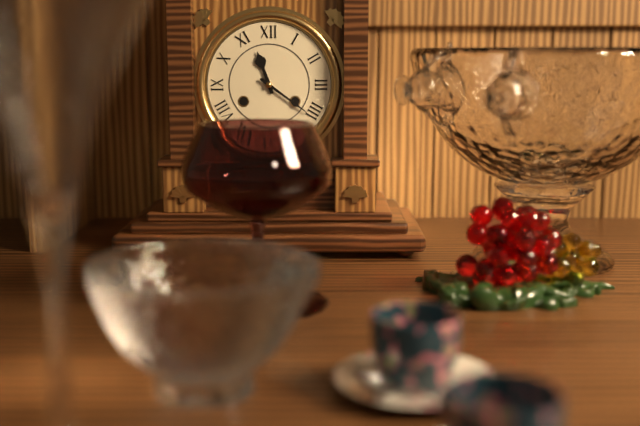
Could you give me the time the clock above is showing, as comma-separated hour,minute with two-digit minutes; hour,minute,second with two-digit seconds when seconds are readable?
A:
11,21
